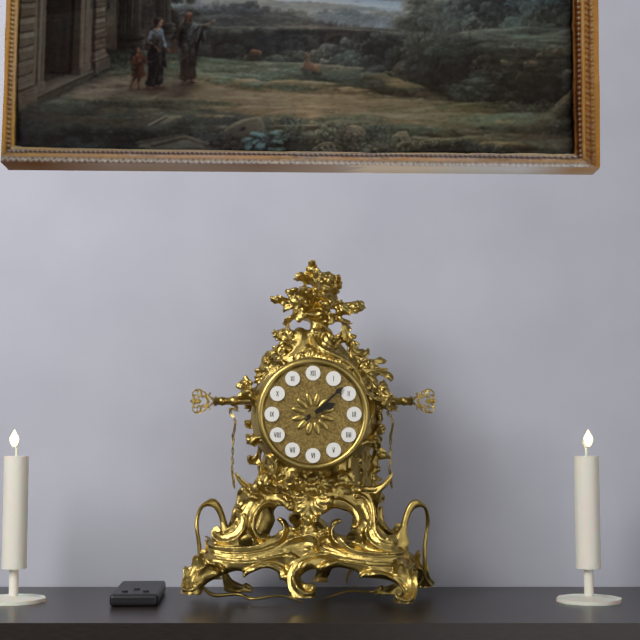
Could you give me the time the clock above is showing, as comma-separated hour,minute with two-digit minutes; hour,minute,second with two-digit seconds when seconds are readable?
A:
2,08
